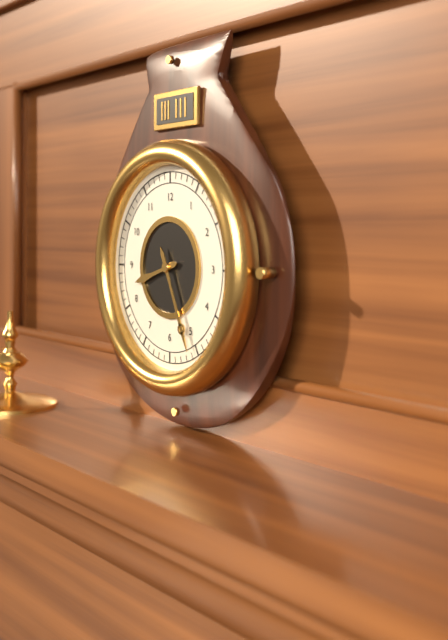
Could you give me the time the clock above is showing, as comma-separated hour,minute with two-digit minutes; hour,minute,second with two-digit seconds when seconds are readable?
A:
8,26
